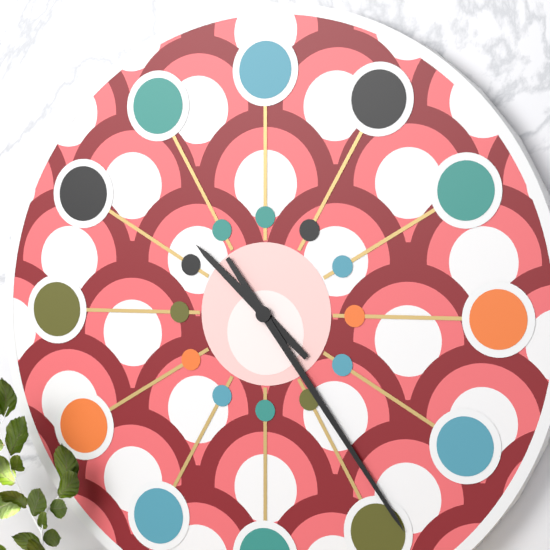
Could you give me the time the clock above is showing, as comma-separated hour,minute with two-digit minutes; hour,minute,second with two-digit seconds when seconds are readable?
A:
10,24
